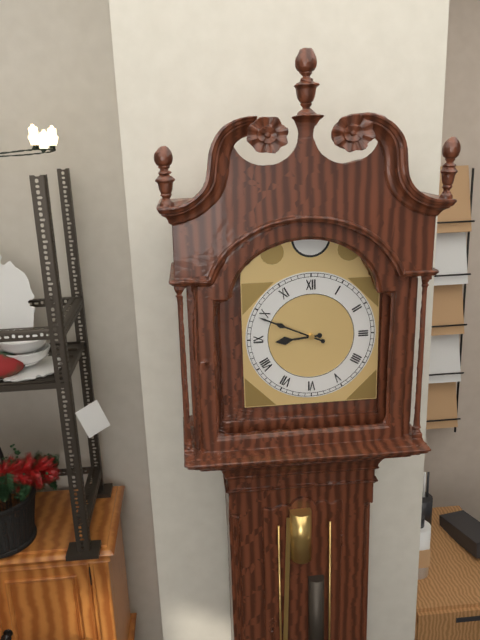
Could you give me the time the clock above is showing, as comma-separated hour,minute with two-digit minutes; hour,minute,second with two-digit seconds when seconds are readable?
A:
8,49
